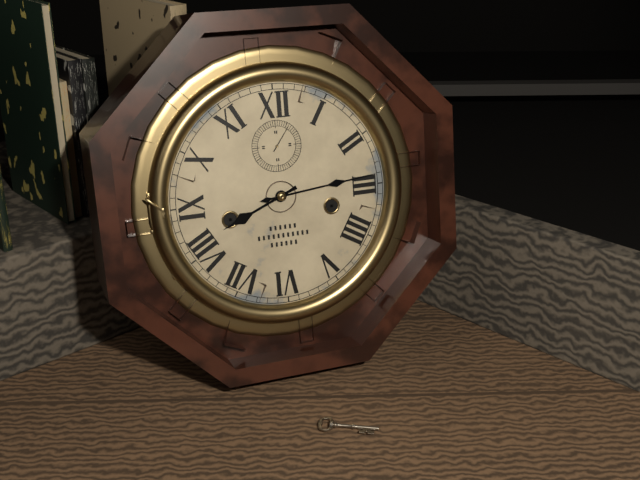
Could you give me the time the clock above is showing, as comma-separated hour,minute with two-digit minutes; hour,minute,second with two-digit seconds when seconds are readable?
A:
8,14
